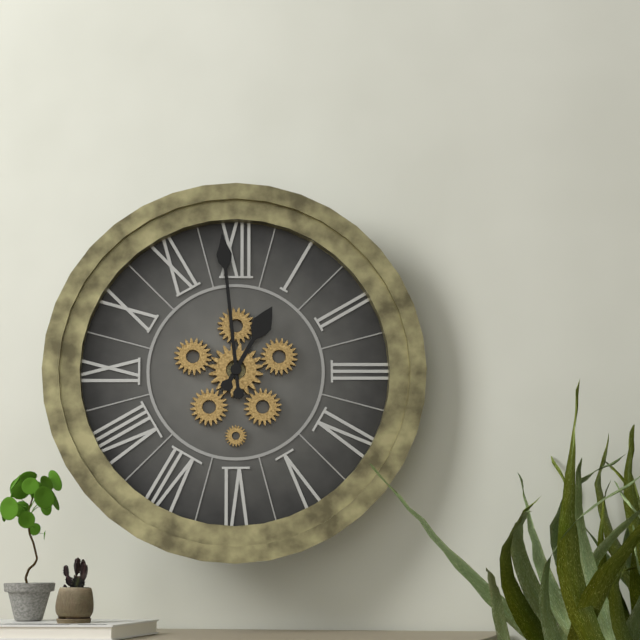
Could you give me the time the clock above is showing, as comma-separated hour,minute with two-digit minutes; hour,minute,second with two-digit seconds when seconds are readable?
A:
12,59
